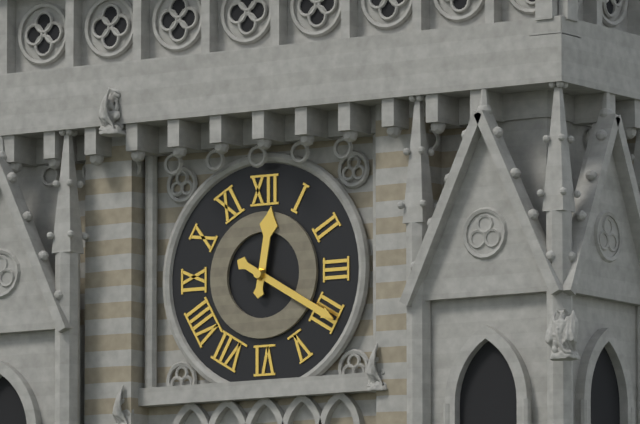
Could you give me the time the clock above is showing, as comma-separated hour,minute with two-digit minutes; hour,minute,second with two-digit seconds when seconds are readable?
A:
12,20
